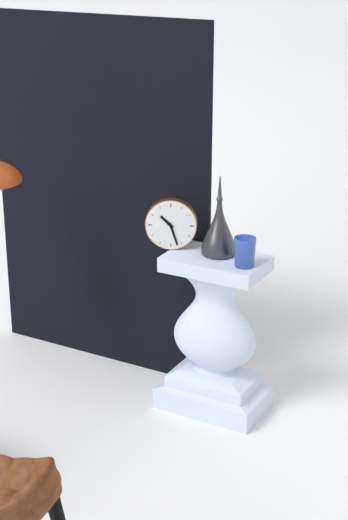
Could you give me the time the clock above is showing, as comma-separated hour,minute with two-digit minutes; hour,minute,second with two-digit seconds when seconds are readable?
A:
10,27
